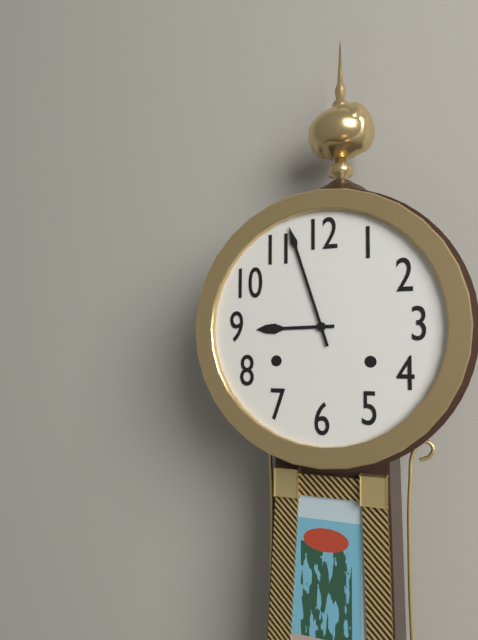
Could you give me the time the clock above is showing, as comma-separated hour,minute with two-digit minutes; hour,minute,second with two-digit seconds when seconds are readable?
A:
8,57
